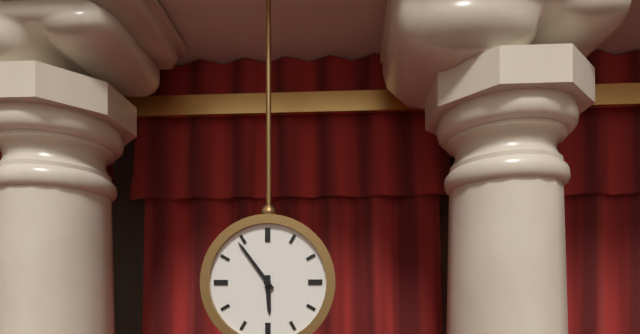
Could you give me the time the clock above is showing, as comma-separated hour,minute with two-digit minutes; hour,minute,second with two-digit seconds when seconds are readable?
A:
5,54
